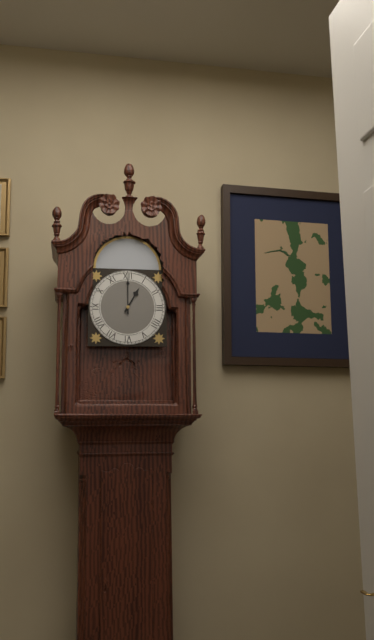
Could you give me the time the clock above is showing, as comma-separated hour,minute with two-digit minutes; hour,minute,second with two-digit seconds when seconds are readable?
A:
1,00
